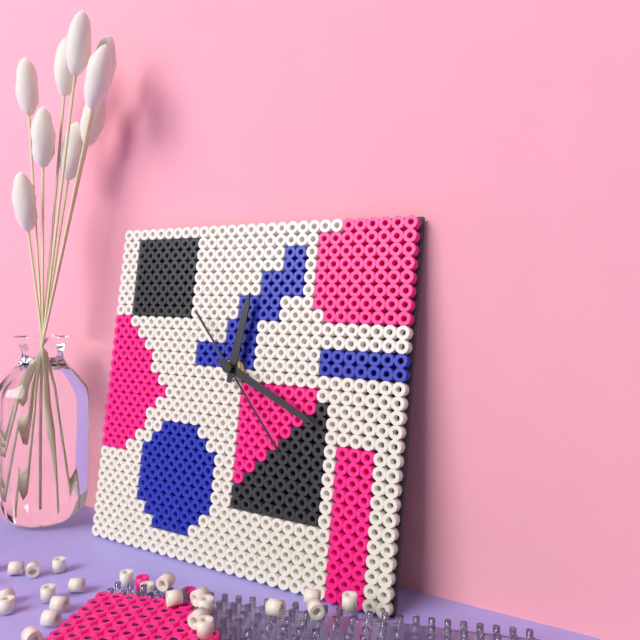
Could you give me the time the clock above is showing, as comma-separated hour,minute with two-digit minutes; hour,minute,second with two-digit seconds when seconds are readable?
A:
12,19,23
